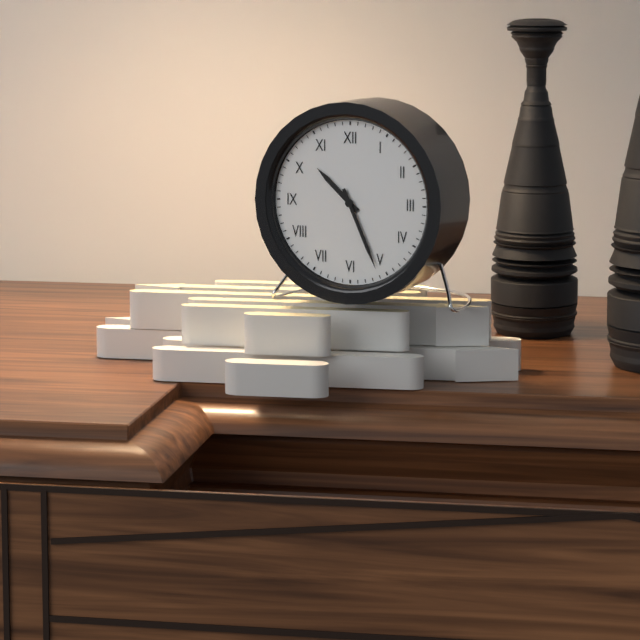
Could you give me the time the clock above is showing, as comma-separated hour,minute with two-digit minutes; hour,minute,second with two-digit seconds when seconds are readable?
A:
10,26
